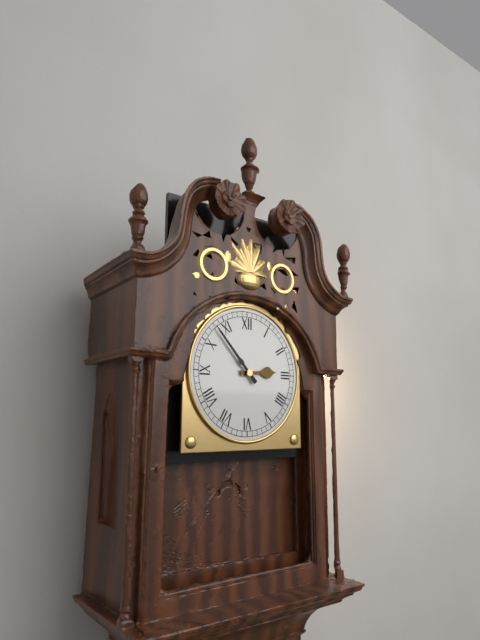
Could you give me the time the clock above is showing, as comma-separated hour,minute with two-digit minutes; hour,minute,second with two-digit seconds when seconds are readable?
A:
2,53
